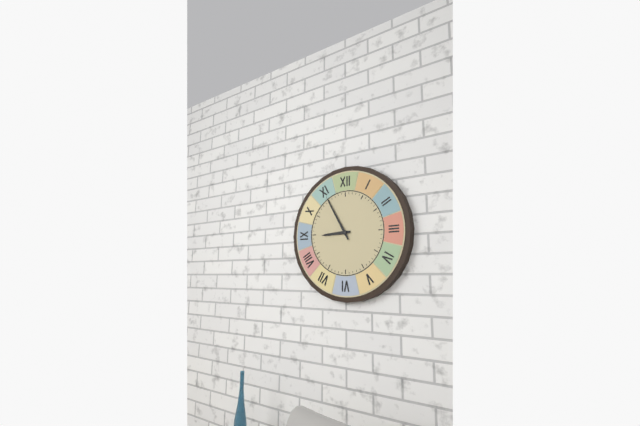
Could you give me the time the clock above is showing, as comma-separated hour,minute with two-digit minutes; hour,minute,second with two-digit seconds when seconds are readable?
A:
8,55
